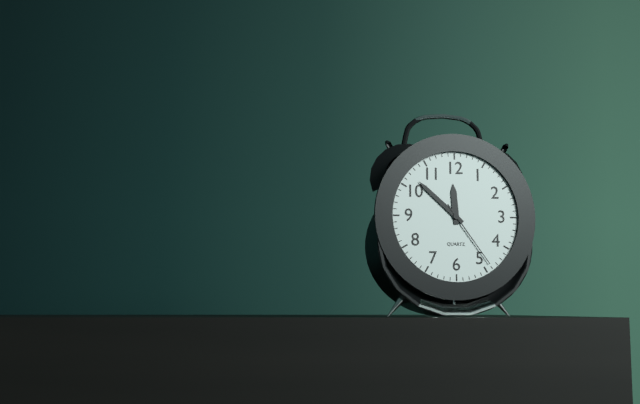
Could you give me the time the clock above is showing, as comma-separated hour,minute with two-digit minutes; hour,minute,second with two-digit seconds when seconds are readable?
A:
11,52,24
